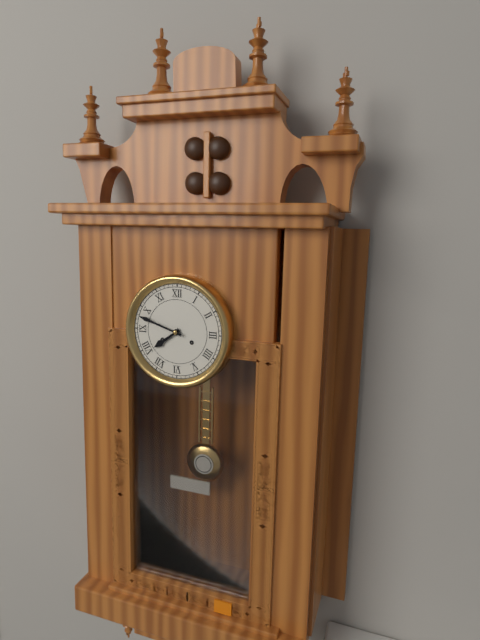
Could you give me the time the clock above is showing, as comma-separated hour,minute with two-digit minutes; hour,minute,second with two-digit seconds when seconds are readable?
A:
7,48
